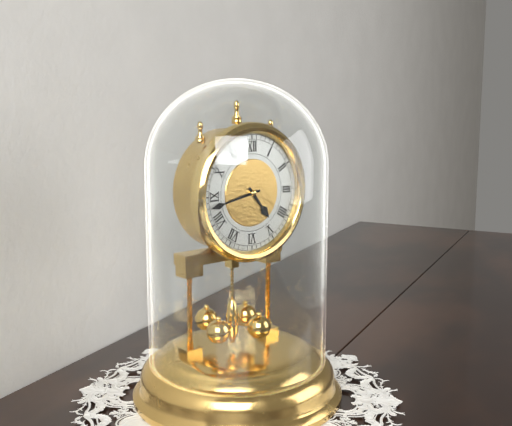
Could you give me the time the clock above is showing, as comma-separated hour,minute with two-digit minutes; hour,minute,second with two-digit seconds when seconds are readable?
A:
4,43
